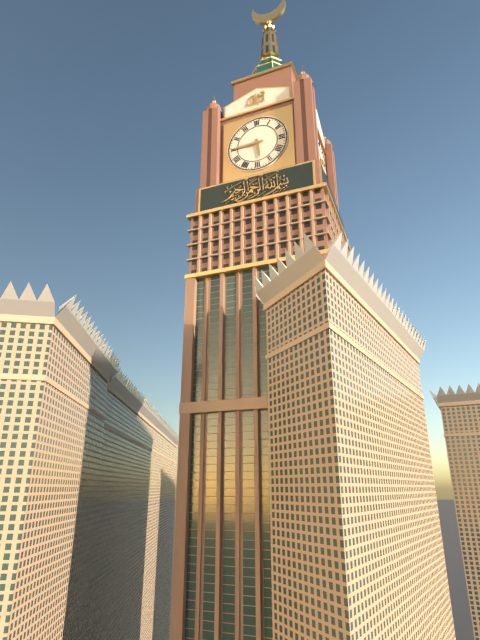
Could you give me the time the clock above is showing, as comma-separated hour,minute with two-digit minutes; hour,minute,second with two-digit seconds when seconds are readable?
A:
5,45
